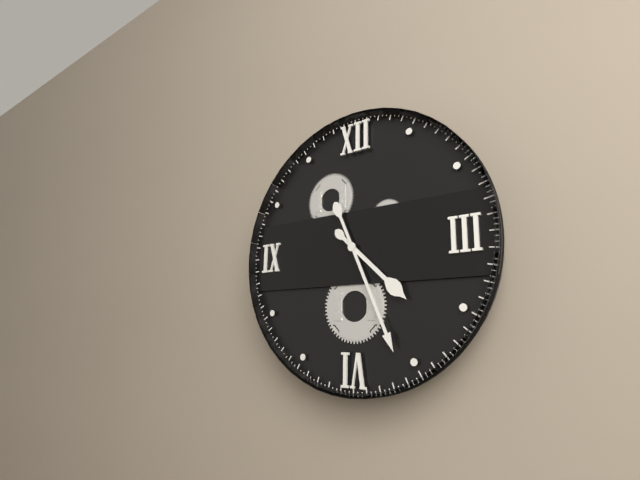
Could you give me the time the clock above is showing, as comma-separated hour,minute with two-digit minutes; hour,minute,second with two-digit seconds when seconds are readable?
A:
4,26
